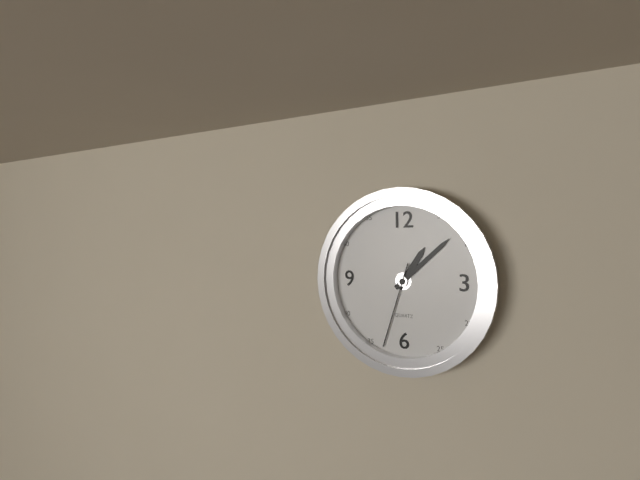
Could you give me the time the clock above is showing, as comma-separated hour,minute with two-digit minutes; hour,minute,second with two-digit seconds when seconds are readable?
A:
1,08,33
